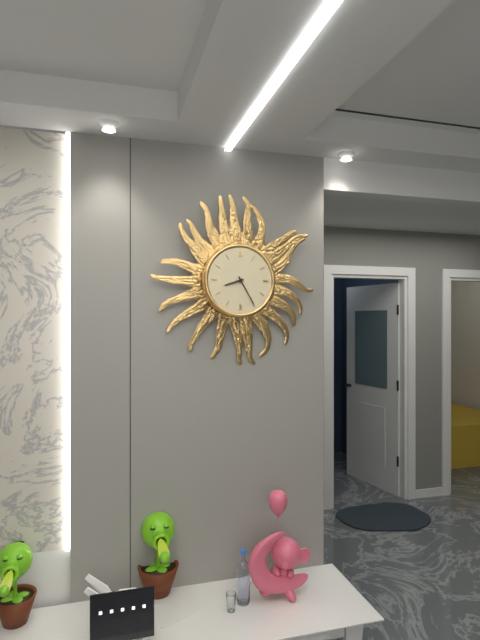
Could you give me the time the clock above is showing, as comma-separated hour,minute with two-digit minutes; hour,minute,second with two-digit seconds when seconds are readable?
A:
8,25
